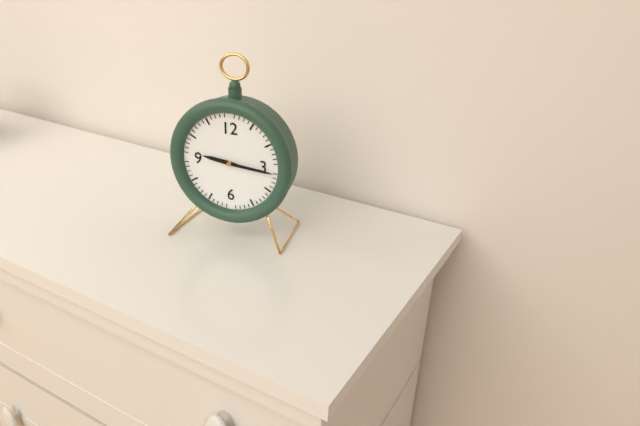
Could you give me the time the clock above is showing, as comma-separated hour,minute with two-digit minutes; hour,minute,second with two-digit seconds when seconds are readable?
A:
9,16
